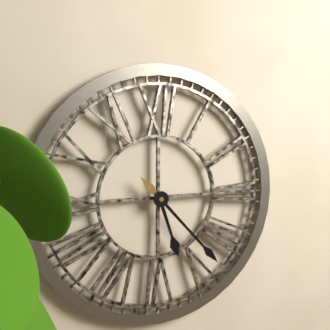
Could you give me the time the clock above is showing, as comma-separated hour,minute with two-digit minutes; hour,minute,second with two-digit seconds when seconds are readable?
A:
5,23
